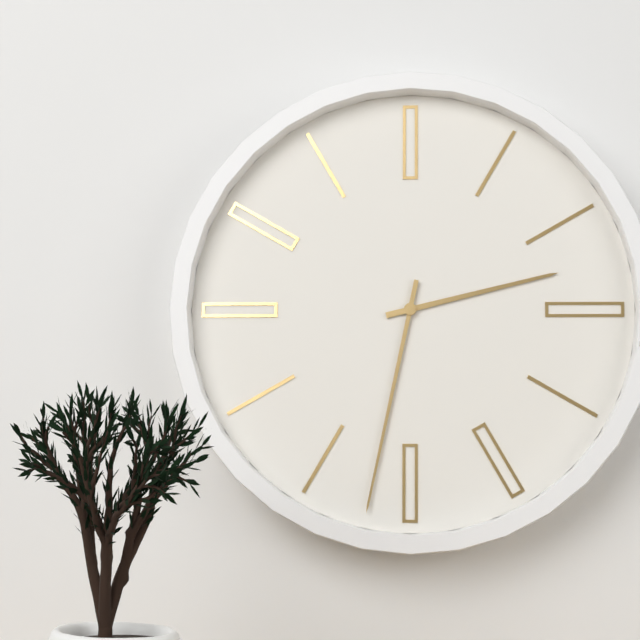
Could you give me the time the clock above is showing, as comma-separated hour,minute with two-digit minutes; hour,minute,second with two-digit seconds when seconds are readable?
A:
2,32
